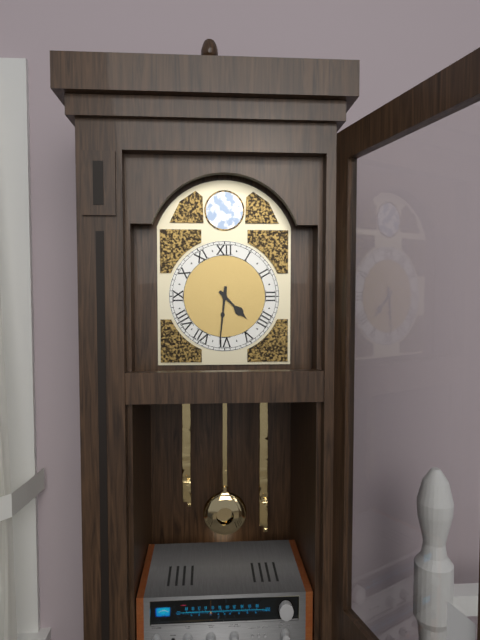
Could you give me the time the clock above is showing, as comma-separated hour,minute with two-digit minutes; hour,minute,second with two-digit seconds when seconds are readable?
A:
4,31
